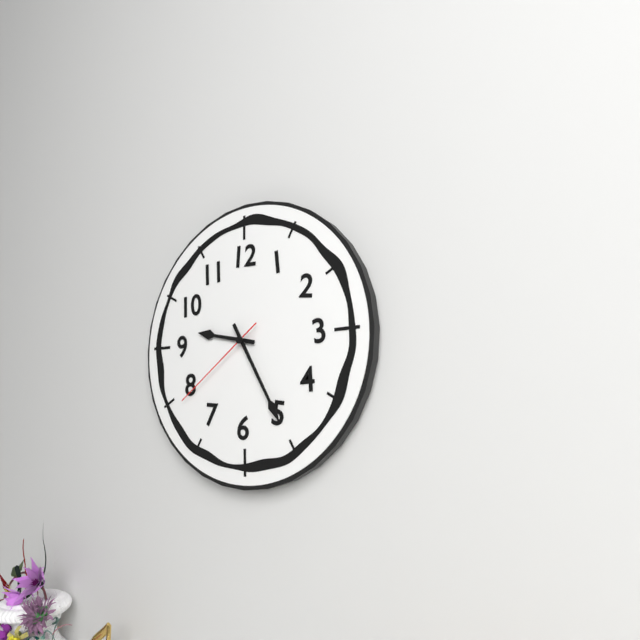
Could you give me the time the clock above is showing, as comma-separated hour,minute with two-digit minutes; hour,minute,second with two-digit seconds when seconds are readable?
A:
9,25,39
